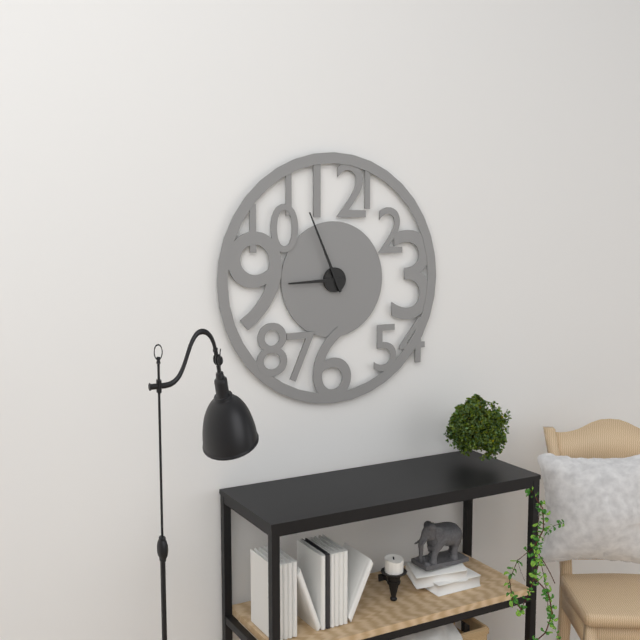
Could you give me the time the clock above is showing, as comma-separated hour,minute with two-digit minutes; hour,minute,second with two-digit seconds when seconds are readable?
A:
8,56
